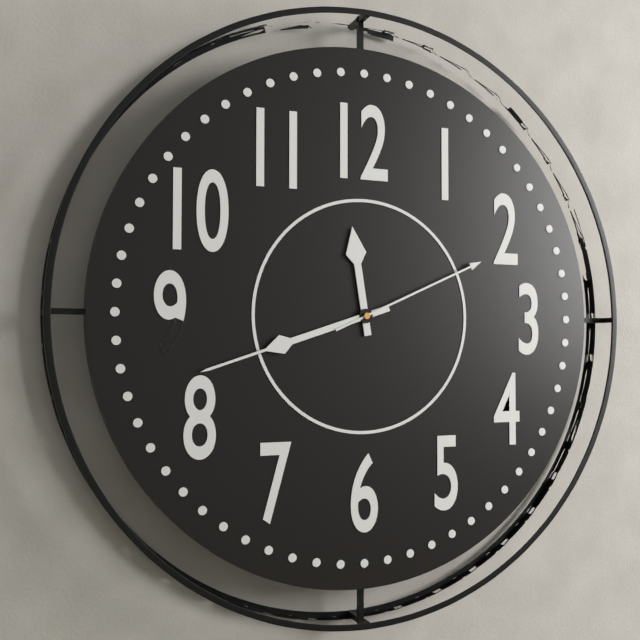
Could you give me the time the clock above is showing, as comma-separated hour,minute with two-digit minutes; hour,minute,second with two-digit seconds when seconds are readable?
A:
11,42,11
